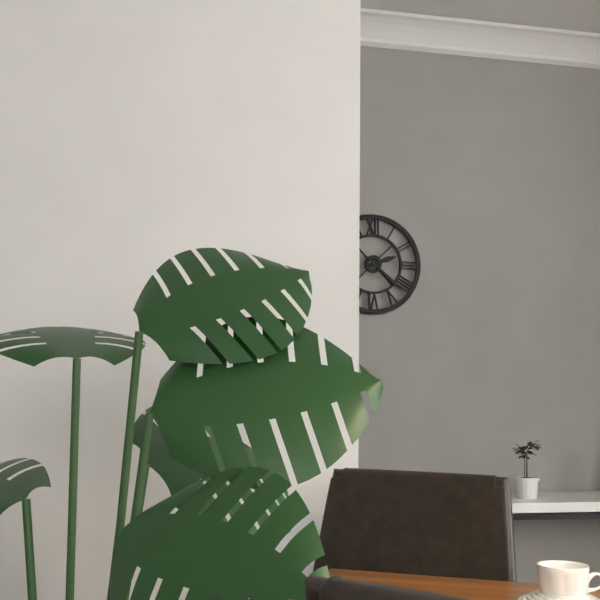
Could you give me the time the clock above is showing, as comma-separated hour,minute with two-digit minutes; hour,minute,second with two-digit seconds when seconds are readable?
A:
2,22
